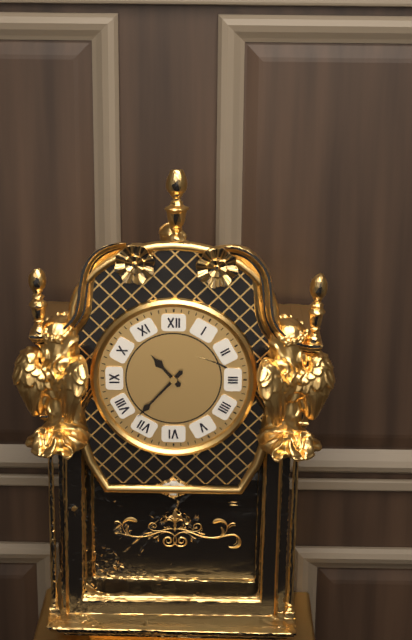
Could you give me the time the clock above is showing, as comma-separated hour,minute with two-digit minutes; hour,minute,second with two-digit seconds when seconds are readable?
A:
10,37
